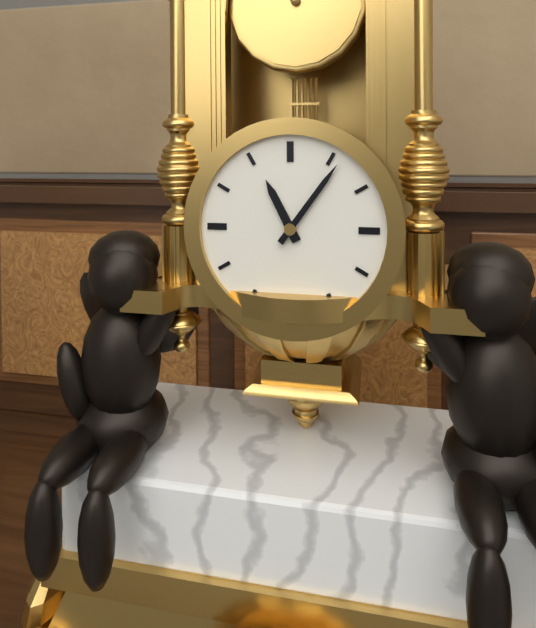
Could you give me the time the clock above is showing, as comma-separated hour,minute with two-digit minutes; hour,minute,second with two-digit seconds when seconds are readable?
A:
11,06
